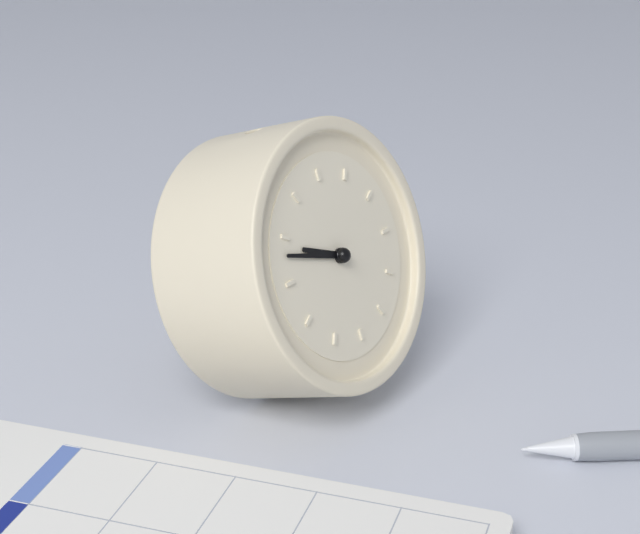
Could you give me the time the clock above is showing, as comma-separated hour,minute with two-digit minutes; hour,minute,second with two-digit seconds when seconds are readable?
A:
9,48
